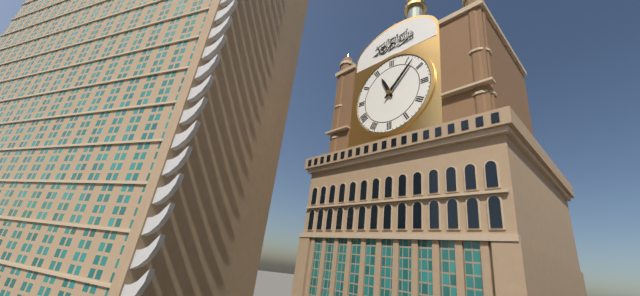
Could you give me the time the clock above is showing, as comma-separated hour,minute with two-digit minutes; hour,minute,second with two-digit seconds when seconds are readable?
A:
11,07
